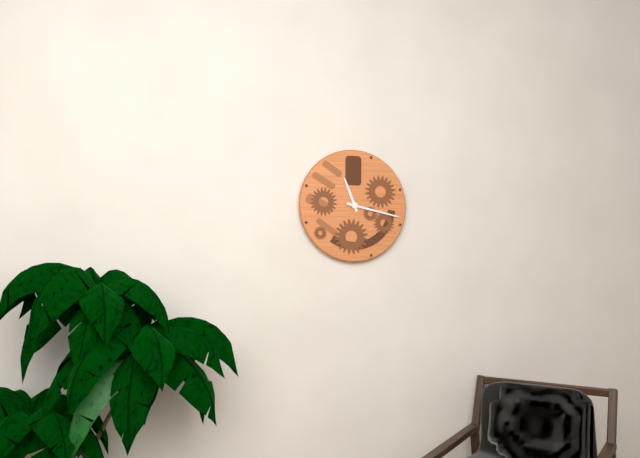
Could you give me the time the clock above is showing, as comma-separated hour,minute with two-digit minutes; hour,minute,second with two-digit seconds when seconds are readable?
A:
11,17
